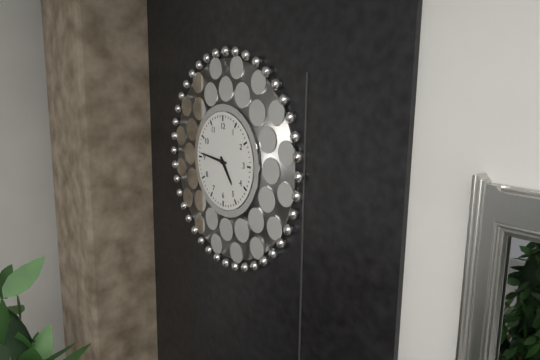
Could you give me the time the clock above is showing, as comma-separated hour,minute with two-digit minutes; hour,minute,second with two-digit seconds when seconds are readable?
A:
4,46
